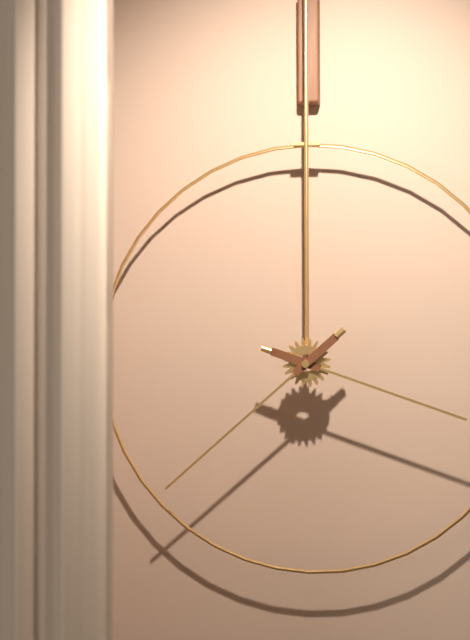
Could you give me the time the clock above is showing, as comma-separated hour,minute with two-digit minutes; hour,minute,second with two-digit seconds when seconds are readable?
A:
3,38
